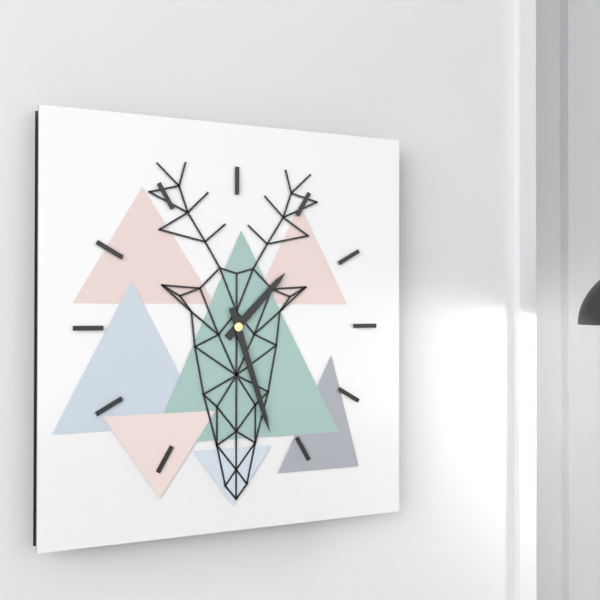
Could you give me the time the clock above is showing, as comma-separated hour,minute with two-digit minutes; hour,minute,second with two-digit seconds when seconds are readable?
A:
1,27
